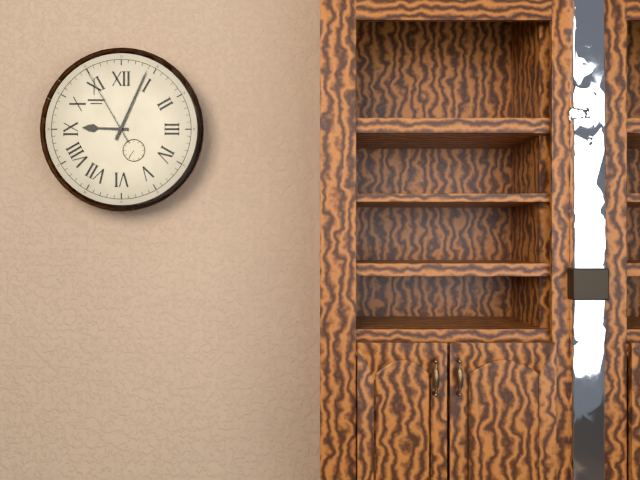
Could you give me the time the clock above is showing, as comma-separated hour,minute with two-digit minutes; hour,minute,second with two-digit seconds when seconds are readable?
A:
9,04,55
